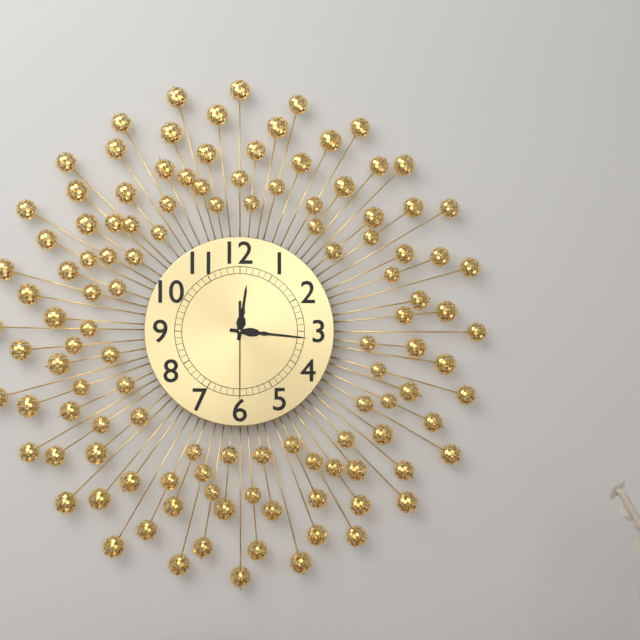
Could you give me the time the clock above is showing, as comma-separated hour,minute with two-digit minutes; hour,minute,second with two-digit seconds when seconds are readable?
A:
12,16,30
